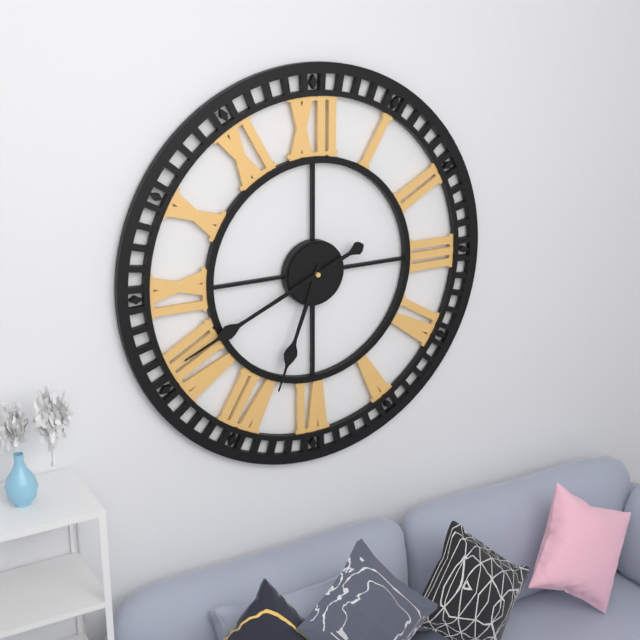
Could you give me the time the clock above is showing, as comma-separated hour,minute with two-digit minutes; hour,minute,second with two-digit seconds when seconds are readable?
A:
6,41
